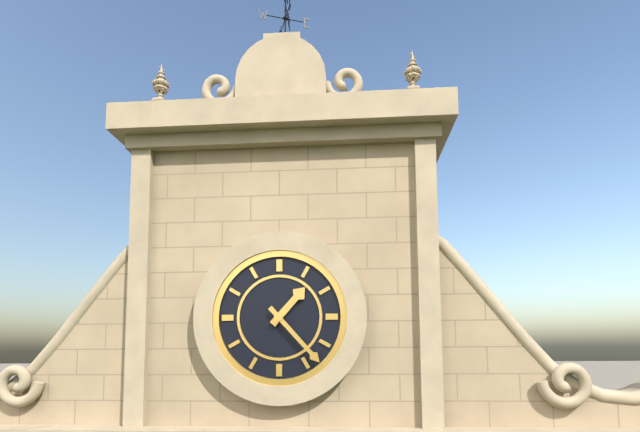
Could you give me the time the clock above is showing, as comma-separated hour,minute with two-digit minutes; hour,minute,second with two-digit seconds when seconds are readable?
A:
1,23
